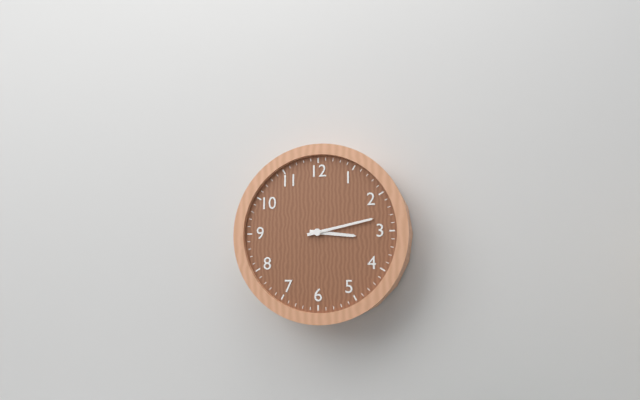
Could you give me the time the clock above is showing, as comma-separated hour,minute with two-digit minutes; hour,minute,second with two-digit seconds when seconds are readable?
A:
3,13
